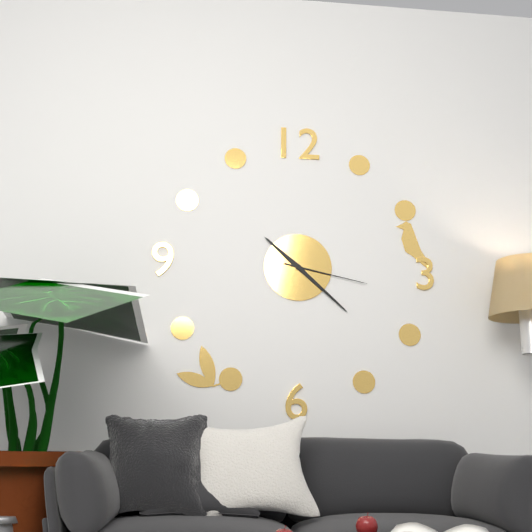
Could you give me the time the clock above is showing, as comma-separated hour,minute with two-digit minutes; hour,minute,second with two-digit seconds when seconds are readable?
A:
10,22,17
